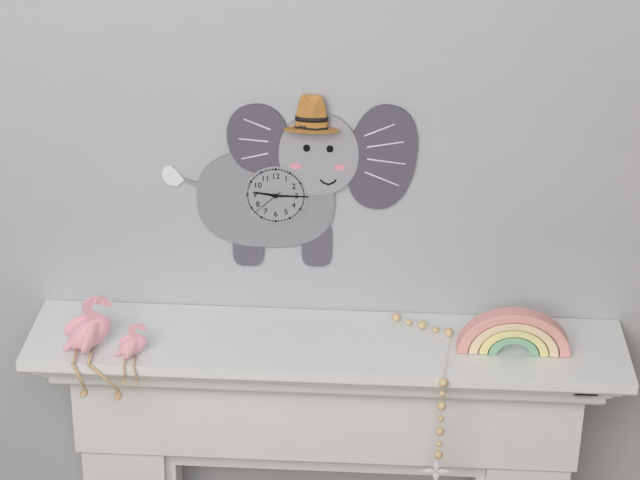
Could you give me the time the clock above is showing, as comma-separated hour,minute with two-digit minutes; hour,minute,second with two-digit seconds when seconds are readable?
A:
9,15
